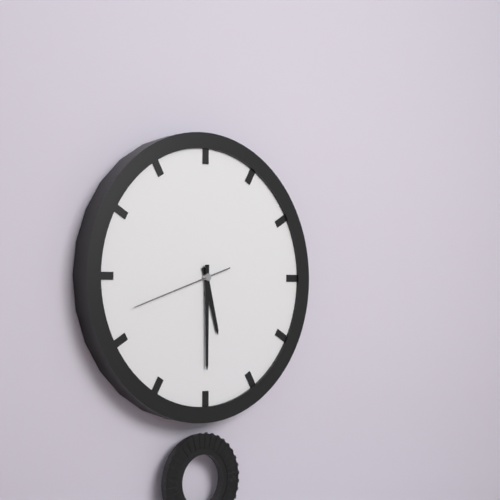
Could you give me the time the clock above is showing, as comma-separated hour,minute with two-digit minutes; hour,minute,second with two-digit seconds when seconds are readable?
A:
5,30,42
